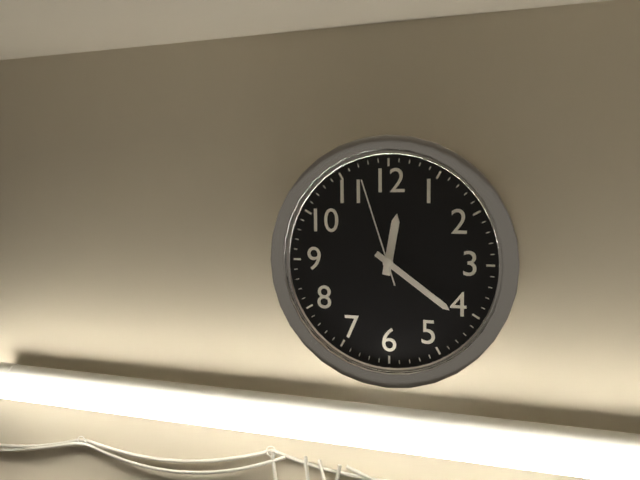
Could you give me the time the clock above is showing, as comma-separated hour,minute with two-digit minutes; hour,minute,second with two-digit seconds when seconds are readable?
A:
12,21,57
